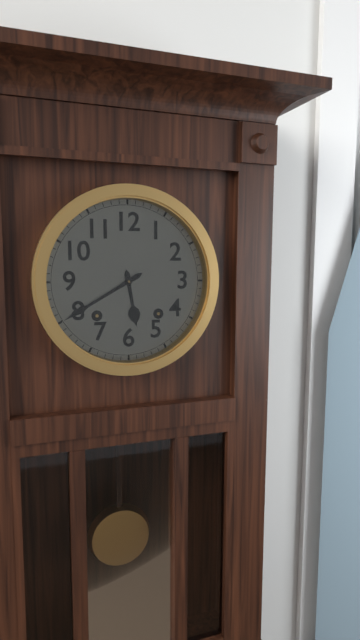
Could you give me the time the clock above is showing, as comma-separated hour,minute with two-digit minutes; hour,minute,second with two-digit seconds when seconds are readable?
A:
5,40
